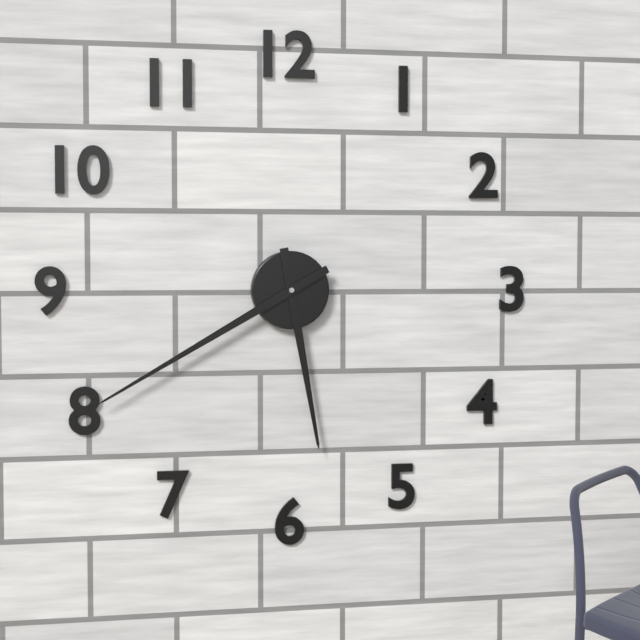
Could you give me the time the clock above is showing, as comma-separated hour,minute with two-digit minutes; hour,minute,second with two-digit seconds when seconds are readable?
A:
5,40
